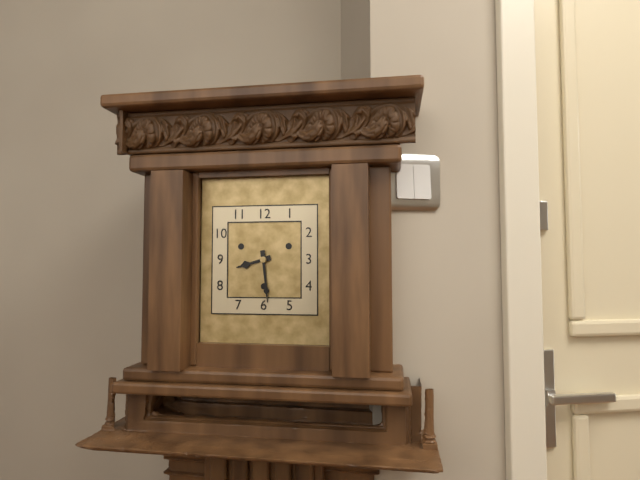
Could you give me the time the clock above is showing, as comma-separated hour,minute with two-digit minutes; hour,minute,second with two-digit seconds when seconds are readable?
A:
8,29
